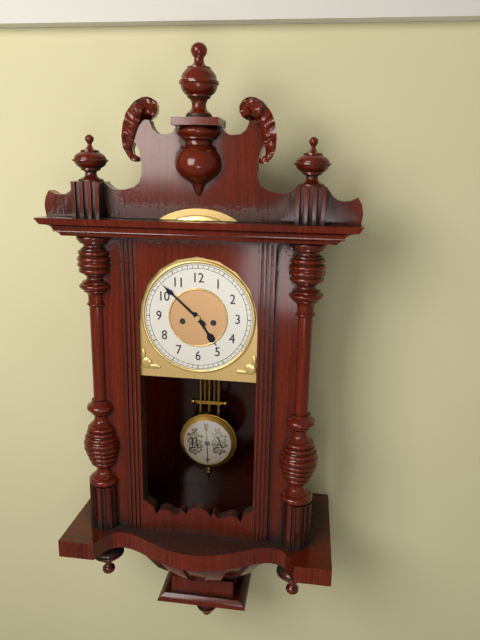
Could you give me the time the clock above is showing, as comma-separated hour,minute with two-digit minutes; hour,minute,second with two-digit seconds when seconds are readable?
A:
4,52
